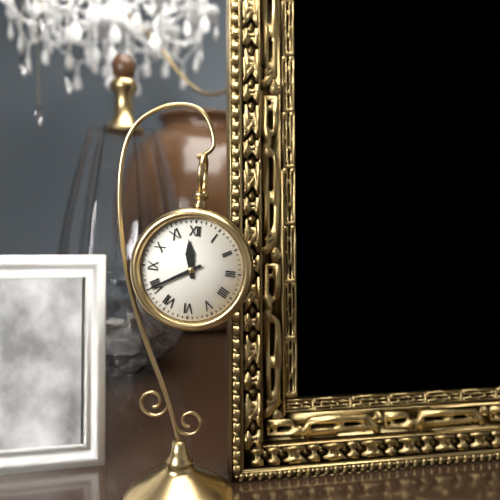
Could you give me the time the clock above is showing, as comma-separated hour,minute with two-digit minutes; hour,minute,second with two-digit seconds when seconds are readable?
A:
11,40
